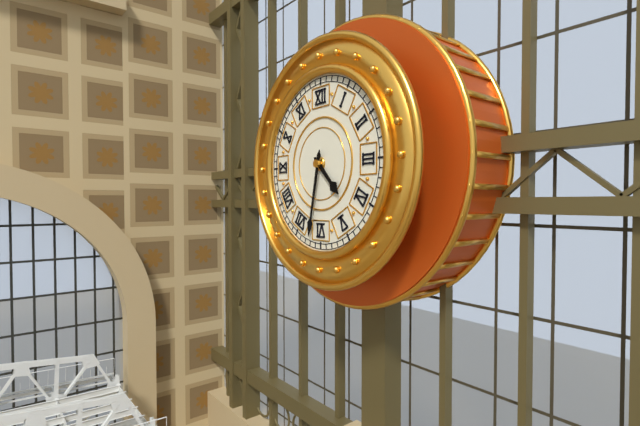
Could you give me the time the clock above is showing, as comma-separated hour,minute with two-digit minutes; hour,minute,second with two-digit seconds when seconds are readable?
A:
4,32
